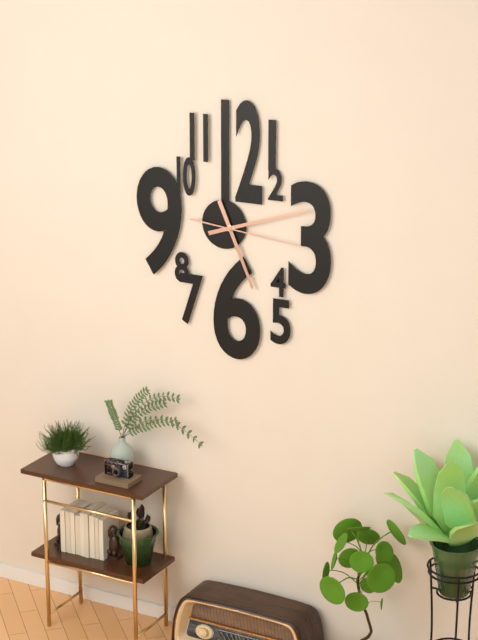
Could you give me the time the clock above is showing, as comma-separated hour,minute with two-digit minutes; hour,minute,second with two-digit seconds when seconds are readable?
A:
5,12,16
